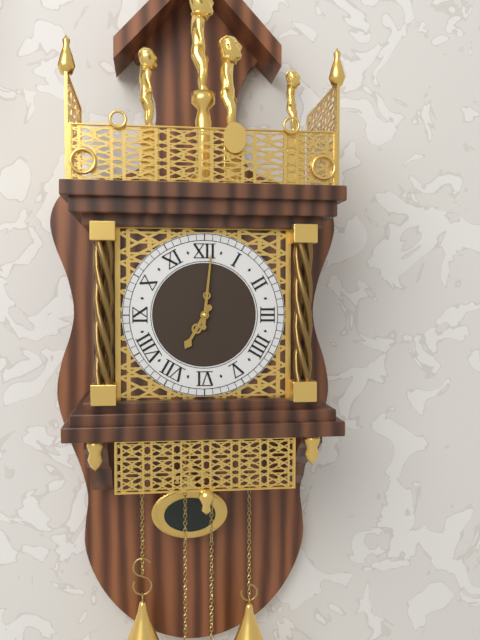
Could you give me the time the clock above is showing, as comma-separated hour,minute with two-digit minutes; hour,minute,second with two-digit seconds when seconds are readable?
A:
7,01
